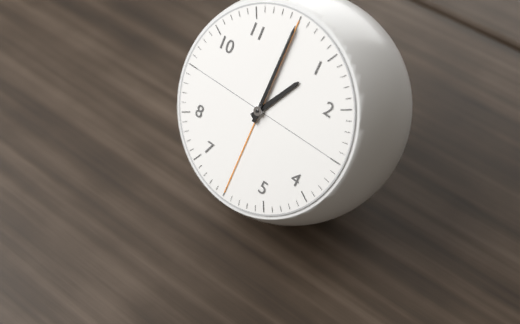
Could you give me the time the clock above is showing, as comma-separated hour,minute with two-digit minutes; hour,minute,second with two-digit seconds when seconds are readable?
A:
1,00
